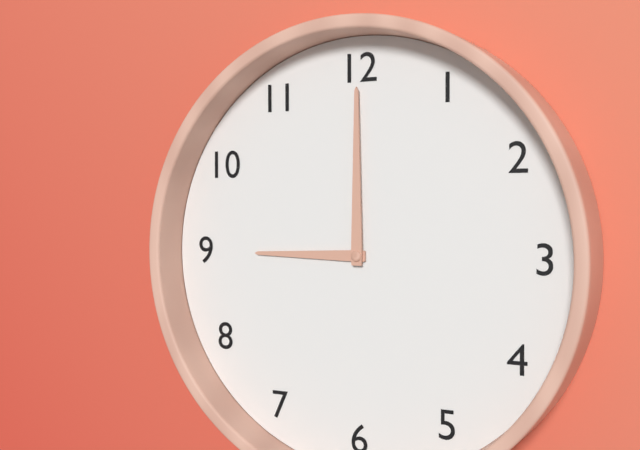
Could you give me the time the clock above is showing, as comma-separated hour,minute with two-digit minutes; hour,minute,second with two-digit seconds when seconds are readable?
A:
9,00
